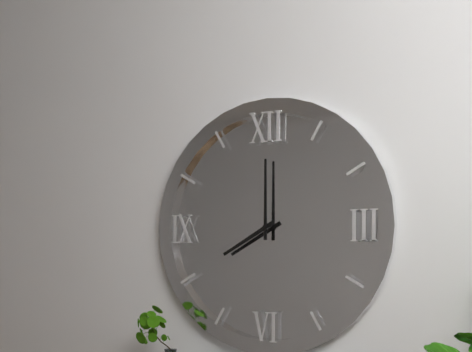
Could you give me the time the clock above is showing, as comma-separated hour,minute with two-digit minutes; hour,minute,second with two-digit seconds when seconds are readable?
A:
8,00
